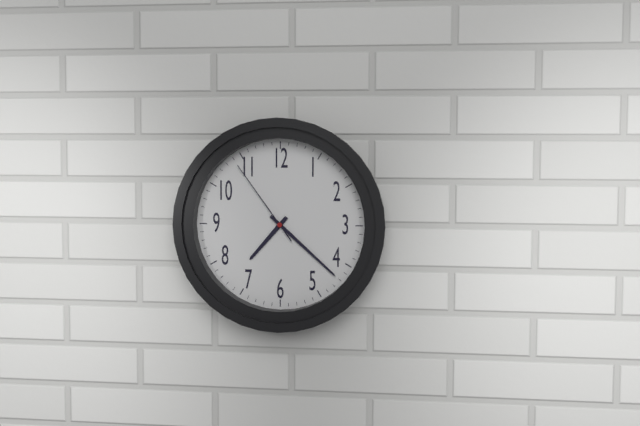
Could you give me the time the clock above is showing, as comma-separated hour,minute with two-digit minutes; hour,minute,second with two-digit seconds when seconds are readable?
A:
7,22,54
